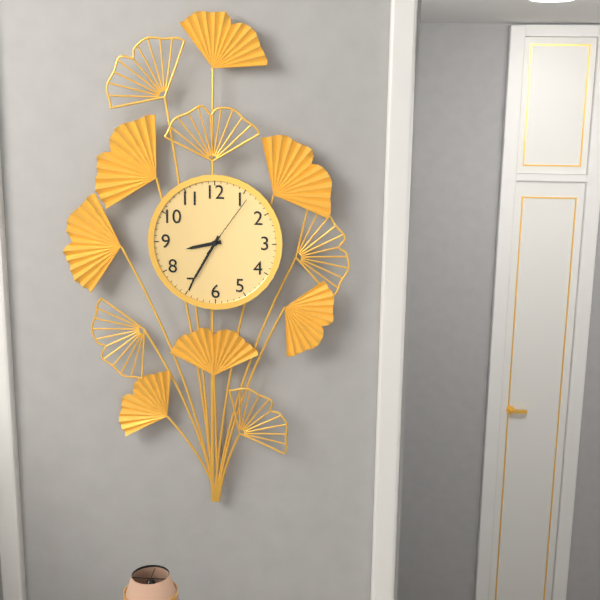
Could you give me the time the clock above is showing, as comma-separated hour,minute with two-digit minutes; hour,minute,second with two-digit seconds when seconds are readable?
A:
8,35,06
